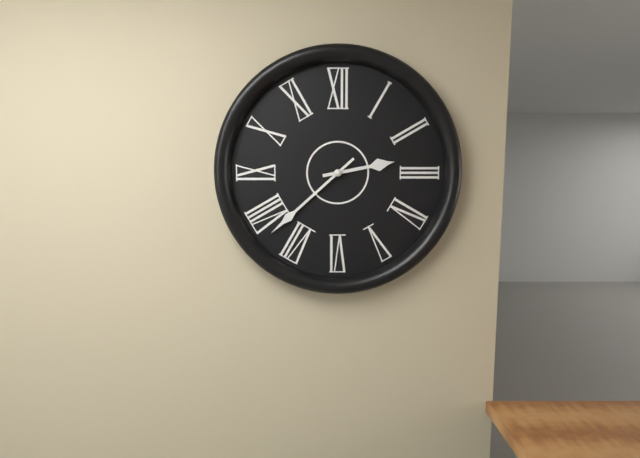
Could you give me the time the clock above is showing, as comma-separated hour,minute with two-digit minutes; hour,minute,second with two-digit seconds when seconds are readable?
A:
2,38
